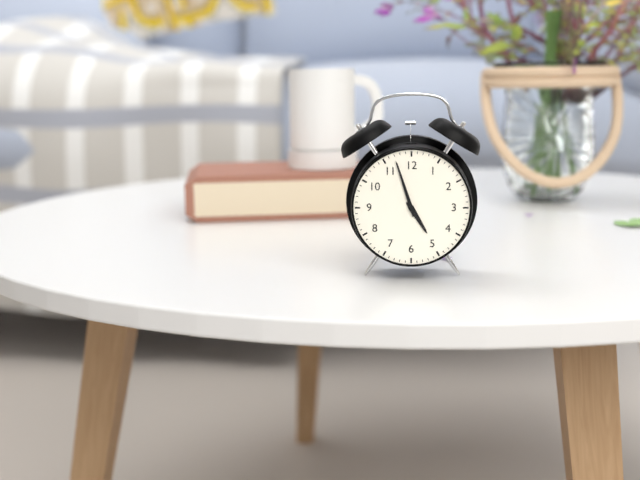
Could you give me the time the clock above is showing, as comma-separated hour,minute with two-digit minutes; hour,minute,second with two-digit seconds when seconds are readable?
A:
4,57
